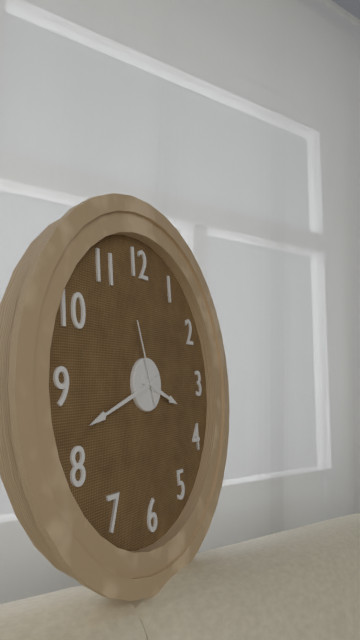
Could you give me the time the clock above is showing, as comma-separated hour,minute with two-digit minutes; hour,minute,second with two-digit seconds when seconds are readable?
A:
3,42,57
